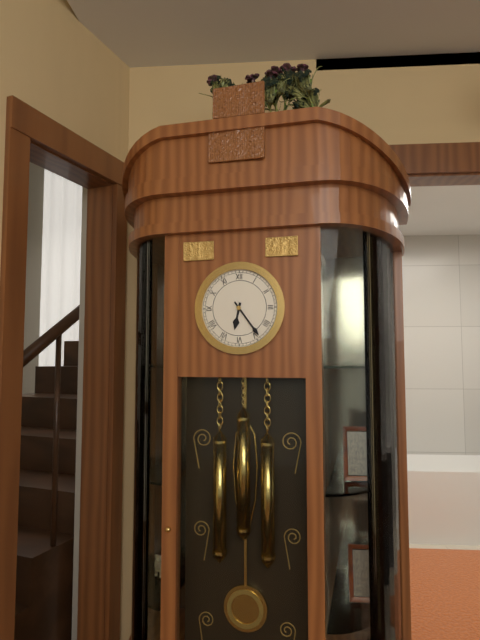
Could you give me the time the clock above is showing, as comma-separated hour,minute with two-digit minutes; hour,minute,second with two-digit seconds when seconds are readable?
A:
6,24
